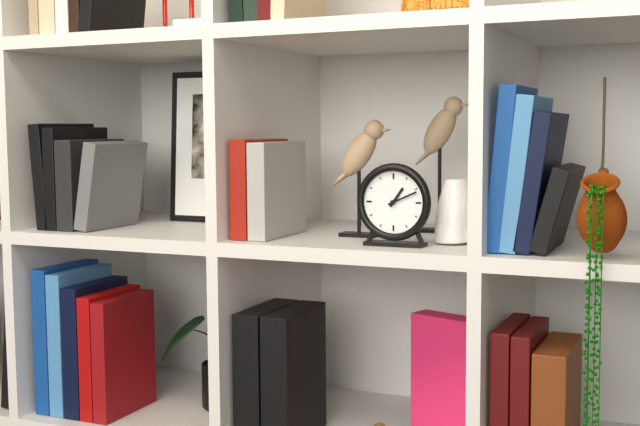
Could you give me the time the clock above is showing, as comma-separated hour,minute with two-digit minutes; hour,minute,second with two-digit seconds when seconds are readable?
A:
1,11
